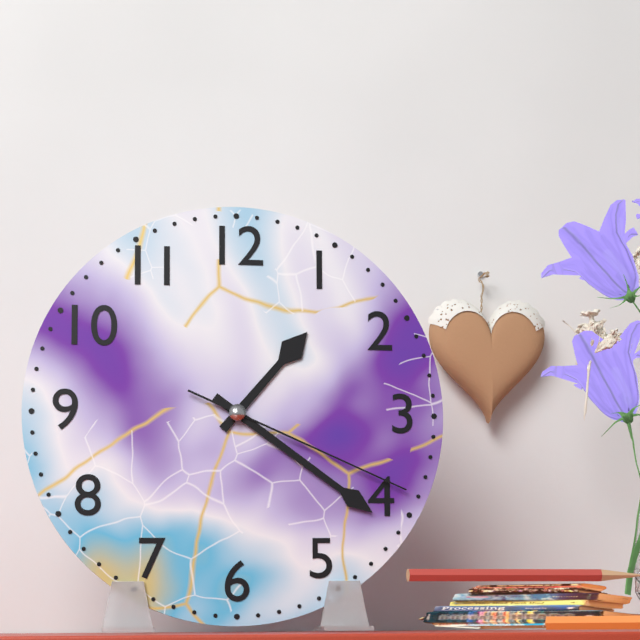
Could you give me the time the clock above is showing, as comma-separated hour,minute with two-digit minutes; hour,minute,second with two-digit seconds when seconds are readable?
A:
1,21,19
